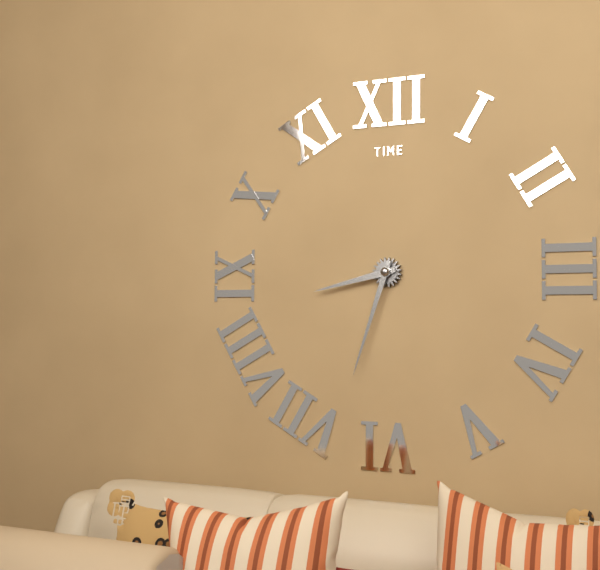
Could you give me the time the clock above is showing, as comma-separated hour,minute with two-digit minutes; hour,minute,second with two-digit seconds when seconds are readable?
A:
8,33
